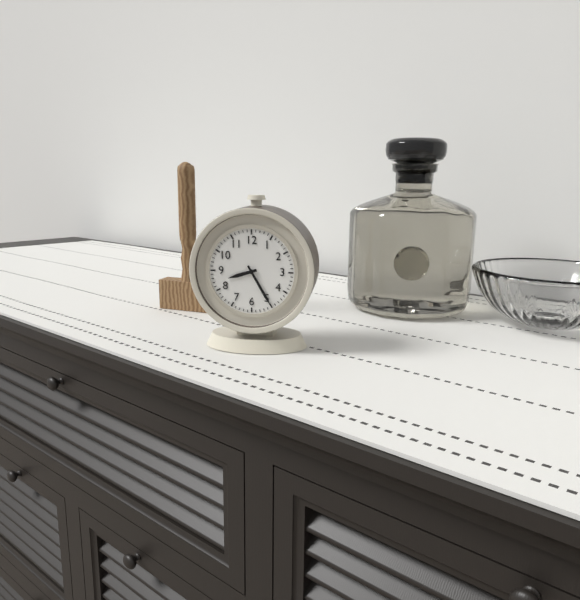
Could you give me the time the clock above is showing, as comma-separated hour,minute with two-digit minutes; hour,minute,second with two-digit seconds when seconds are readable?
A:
8,25
